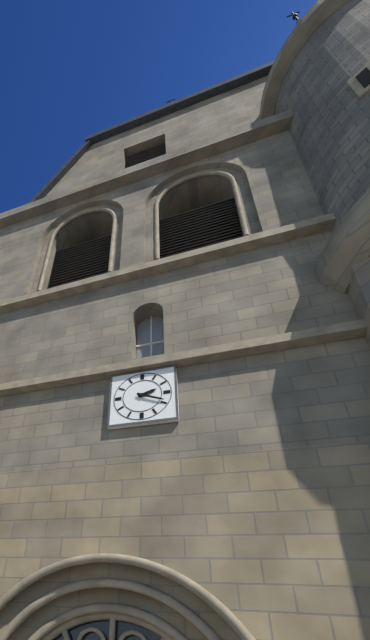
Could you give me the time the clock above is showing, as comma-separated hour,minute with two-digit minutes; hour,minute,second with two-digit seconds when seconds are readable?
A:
2,19
